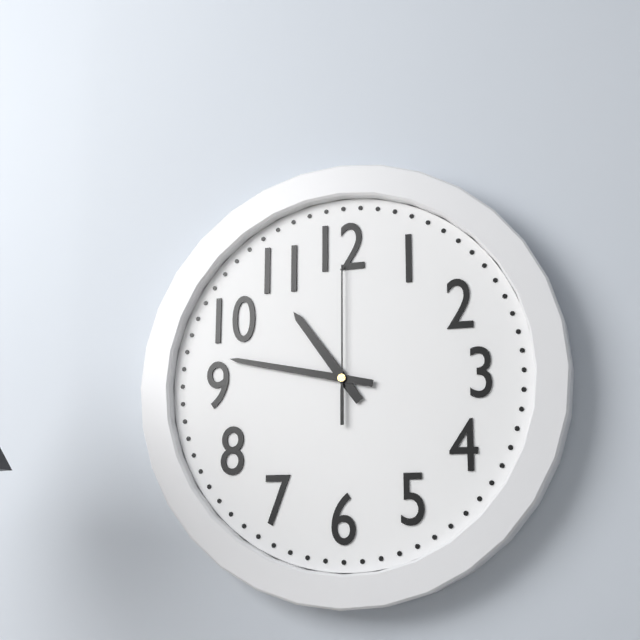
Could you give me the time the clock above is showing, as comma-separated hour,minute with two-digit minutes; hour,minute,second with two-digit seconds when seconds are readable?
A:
10,47,00
